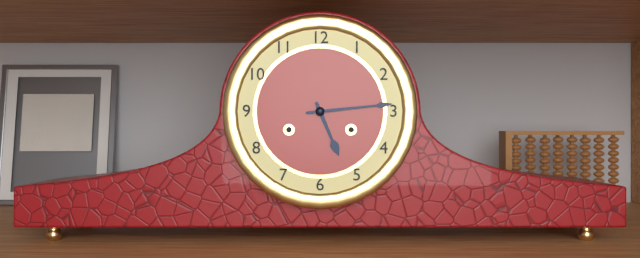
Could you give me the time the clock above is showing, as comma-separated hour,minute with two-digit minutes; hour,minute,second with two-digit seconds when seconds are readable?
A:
5,14
